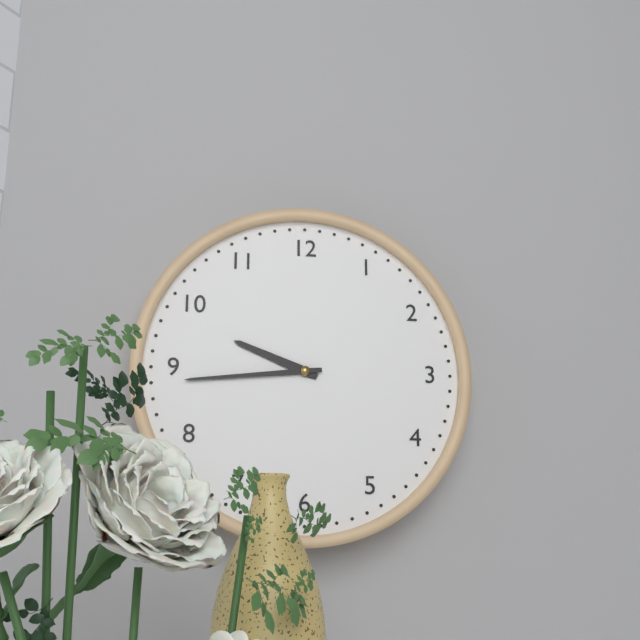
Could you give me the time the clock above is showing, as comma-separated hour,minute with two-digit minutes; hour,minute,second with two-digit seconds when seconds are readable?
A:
9,44
